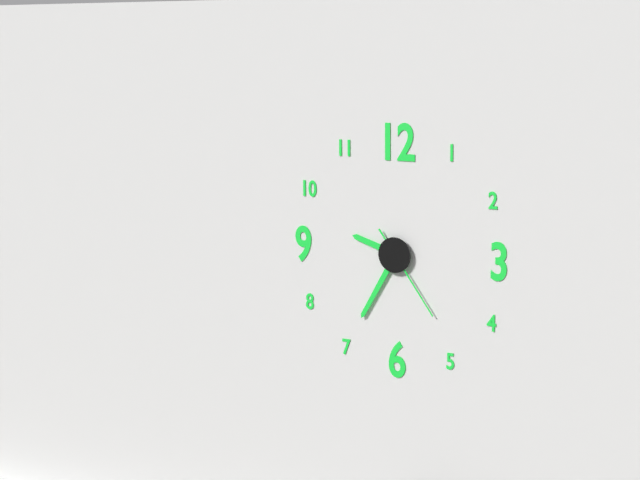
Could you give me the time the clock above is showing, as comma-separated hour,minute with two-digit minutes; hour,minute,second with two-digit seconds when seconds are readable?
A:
9,35,24
